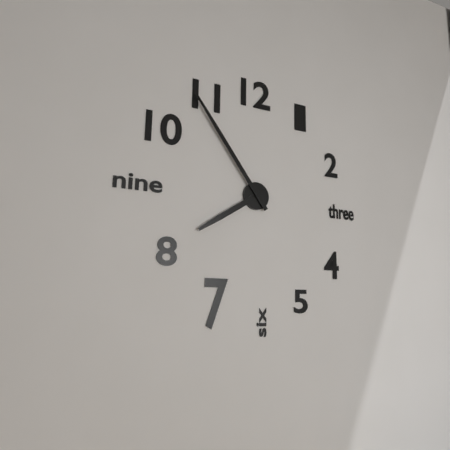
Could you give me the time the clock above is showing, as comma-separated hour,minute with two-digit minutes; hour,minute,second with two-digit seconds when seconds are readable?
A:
7,54
